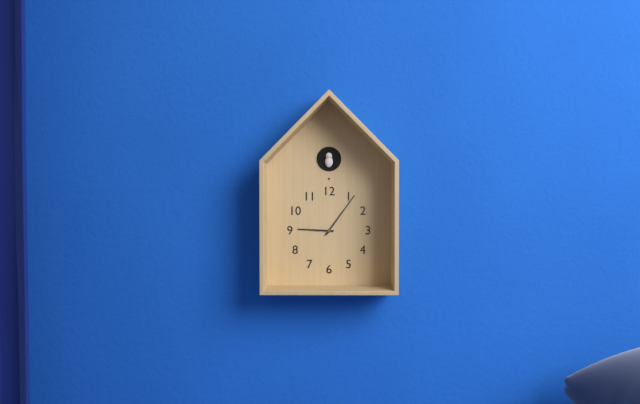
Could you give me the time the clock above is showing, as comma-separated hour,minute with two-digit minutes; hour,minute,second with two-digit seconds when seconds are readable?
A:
9,06
